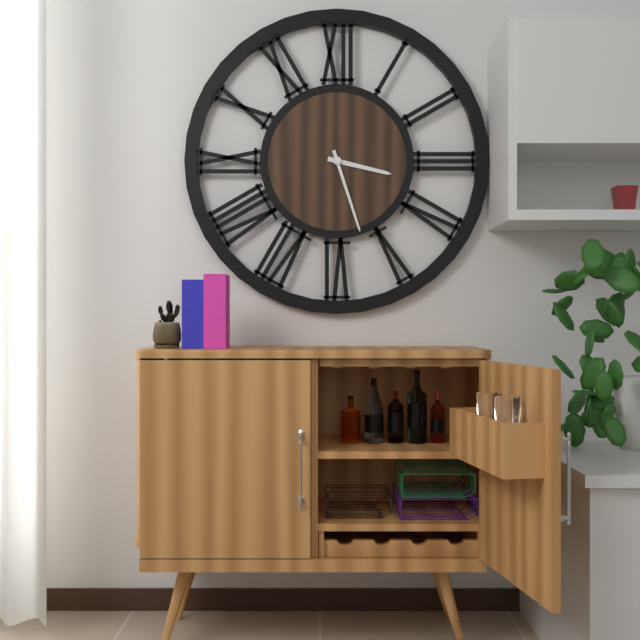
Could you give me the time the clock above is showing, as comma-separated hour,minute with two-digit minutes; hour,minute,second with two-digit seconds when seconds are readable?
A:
3,27
